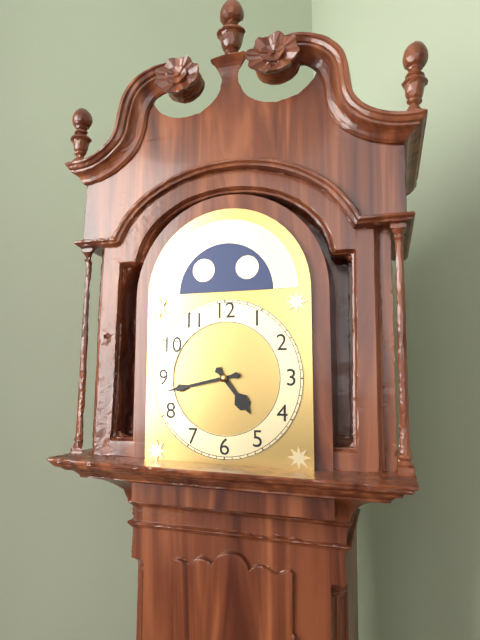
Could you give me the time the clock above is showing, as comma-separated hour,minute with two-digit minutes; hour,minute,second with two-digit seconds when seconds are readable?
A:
4,43
